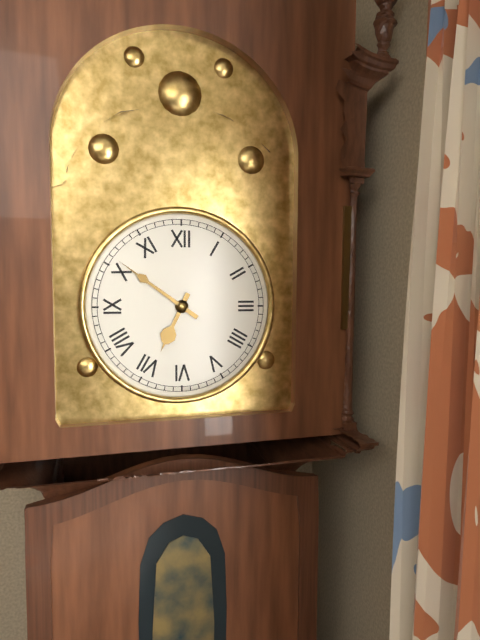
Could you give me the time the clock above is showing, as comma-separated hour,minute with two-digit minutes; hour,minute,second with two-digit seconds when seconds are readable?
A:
6,51
